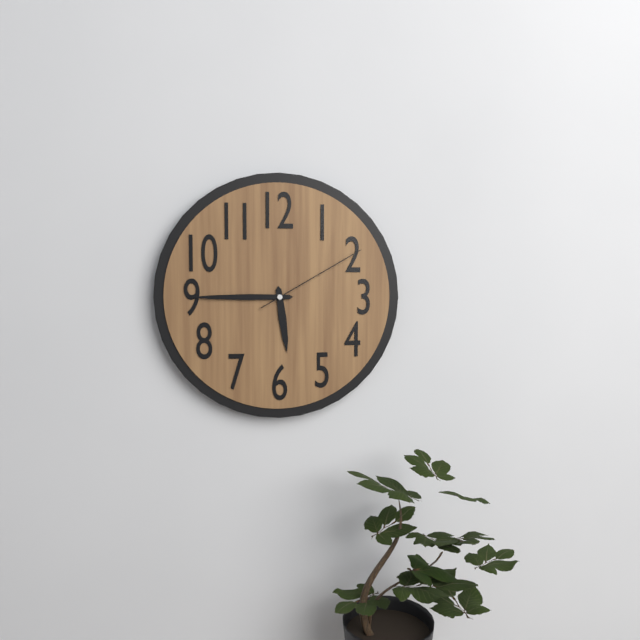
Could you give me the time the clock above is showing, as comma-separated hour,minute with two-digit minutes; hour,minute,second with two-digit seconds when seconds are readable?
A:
5,45,10
